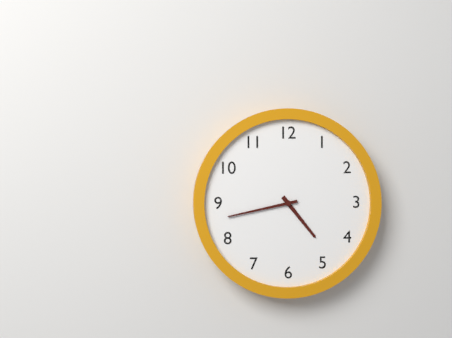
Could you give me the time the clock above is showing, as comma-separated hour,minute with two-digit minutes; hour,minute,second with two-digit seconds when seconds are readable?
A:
4,43
